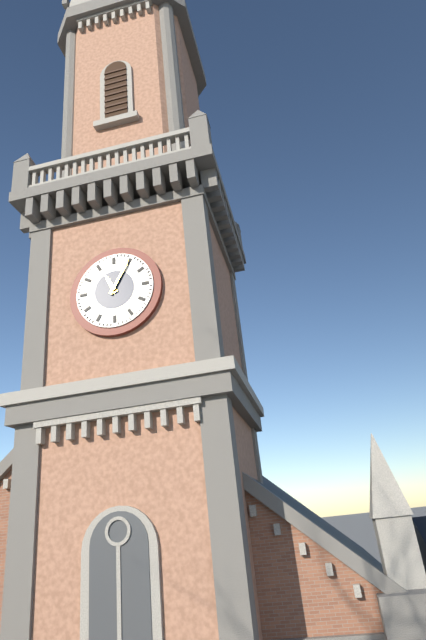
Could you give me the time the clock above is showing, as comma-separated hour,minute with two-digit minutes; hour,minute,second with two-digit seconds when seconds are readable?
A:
11,05
